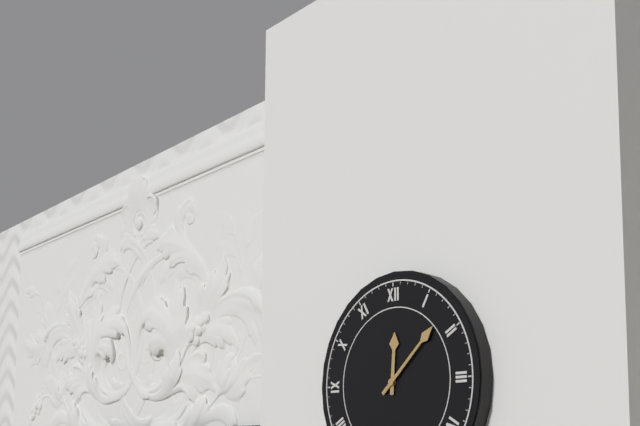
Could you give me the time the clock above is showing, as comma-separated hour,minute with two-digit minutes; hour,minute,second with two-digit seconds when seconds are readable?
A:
12,08
